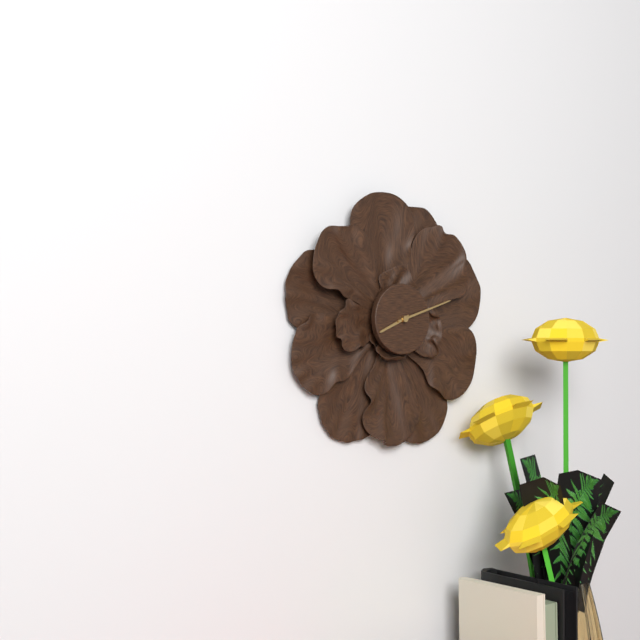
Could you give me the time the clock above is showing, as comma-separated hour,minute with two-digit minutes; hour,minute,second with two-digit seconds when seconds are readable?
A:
8,12
